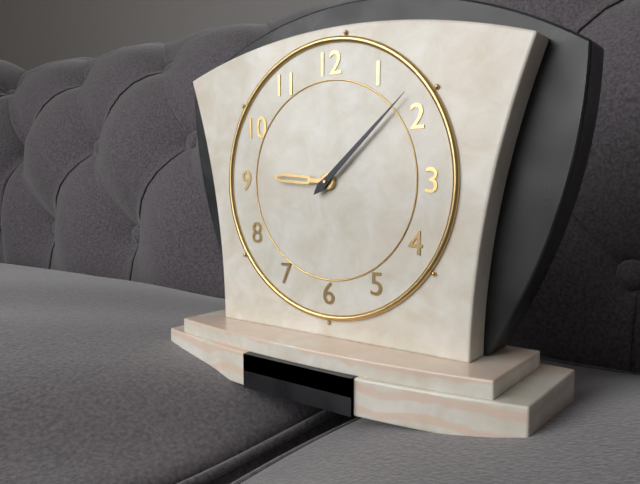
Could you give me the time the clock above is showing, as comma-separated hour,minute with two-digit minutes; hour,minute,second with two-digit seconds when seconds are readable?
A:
9,08
